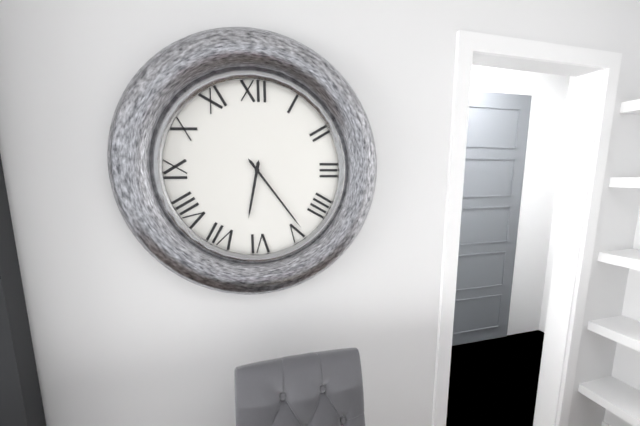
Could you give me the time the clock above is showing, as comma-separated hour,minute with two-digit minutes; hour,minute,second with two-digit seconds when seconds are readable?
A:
6,24
